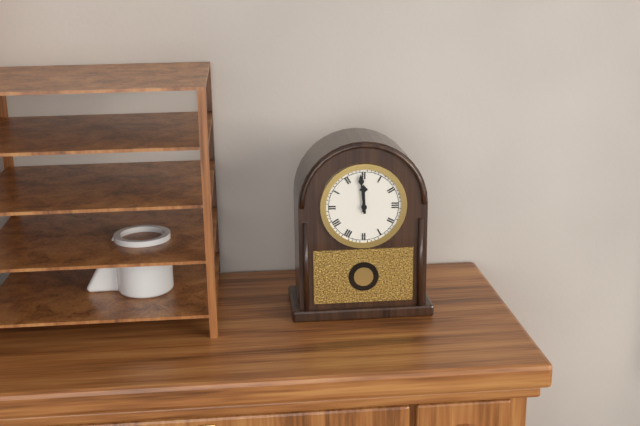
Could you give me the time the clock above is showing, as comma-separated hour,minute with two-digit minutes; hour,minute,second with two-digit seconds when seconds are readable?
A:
11,59
